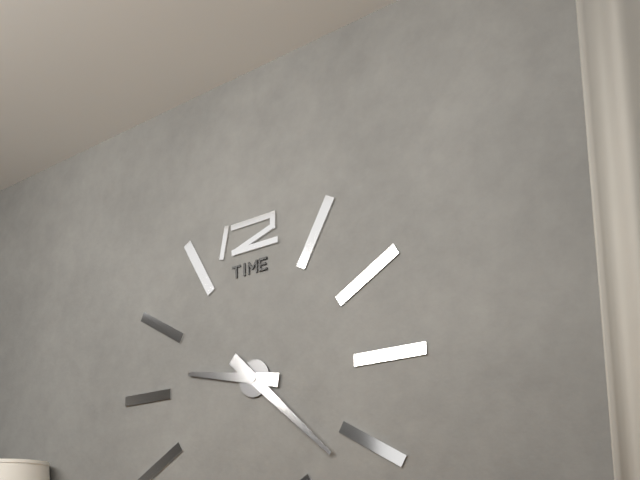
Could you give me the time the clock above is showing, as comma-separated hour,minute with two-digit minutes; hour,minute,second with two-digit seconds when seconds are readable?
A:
9,22
